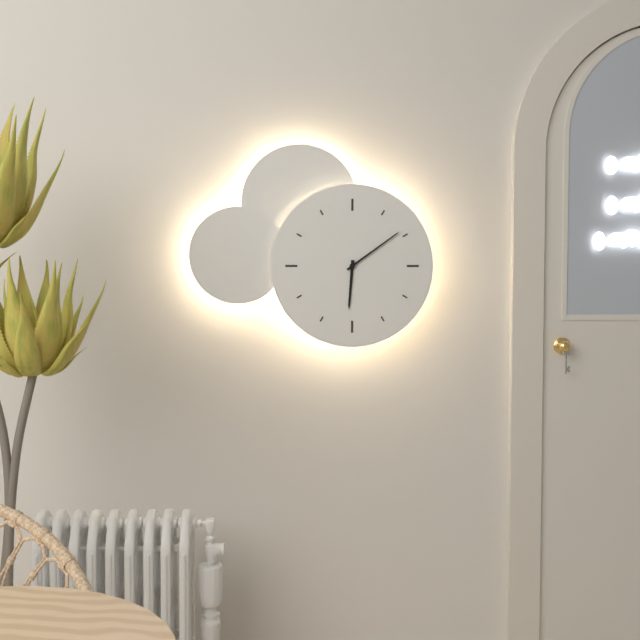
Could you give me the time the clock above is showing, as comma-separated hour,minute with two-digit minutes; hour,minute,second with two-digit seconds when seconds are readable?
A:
6,09
